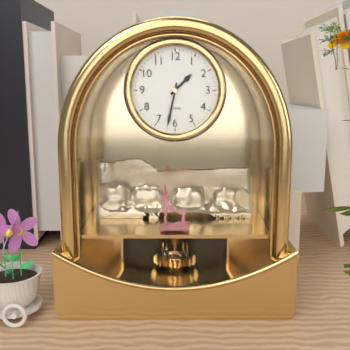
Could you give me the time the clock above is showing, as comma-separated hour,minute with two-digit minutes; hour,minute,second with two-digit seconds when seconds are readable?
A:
1,32
